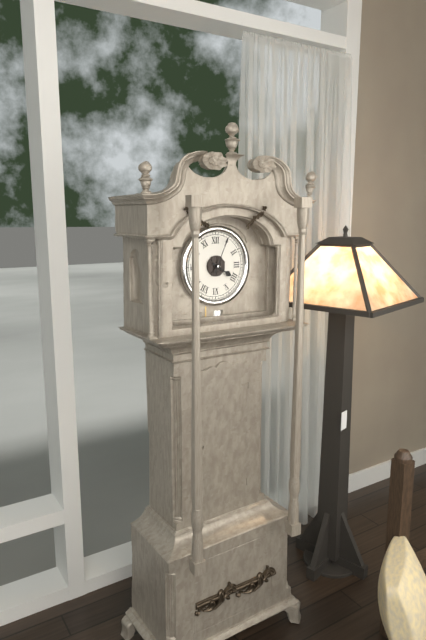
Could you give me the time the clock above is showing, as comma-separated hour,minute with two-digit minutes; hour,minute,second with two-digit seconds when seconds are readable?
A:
4,04
